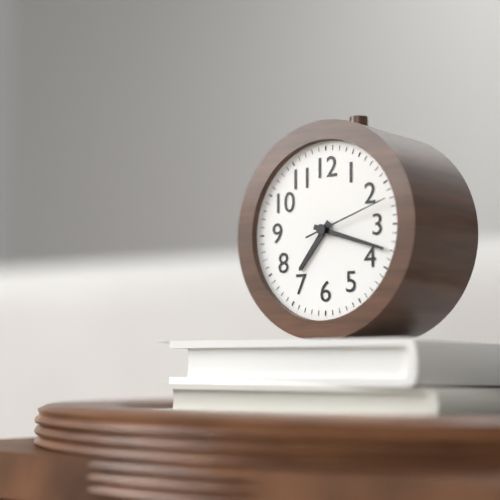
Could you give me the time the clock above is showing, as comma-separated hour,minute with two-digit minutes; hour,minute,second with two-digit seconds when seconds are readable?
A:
7,18,12
